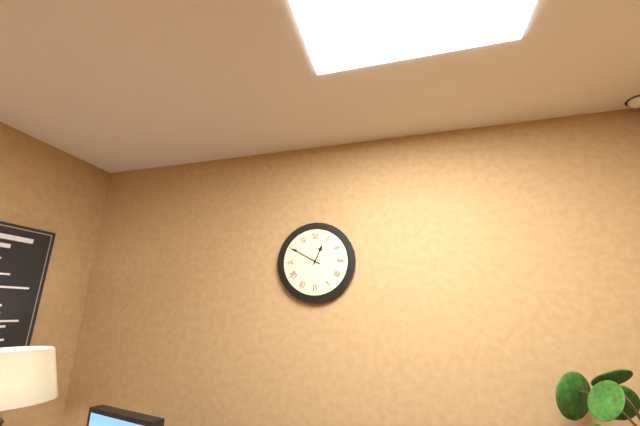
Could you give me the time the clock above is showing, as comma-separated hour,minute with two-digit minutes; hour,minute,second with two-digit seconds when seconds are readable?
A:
12,50
